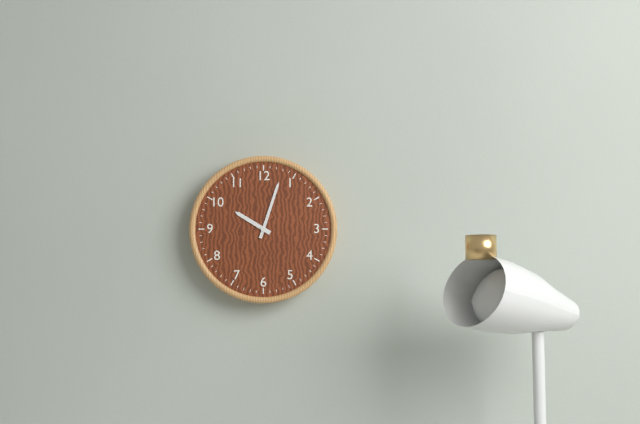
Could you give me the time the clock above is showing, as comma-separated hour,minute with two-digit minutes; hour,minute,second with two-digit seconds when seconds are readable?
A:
10,03
